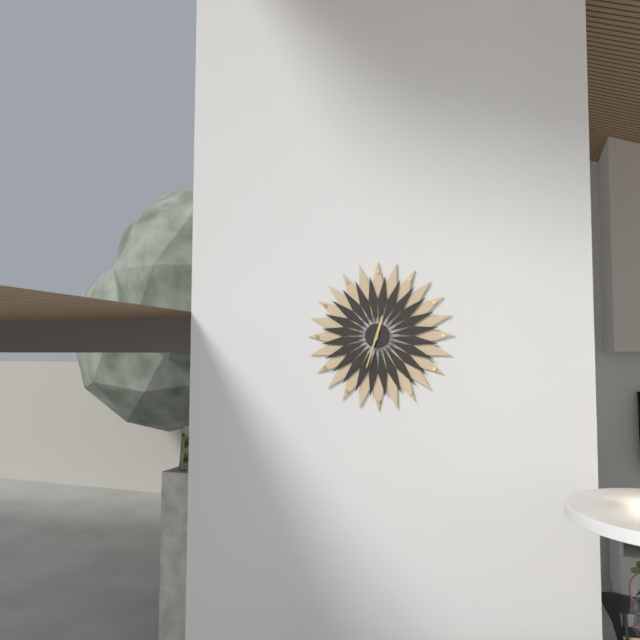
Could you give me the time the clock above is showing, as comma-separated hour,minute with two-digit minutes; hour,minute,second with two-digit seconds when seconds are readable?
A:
12,33
